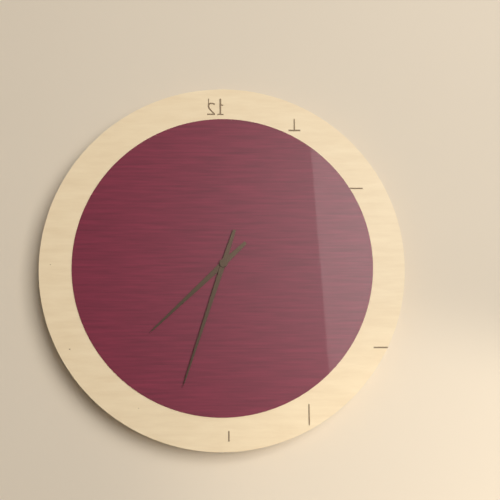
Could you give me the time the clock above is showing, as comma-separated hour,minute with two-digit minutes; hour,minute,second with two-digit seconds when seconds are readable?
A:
7,33
